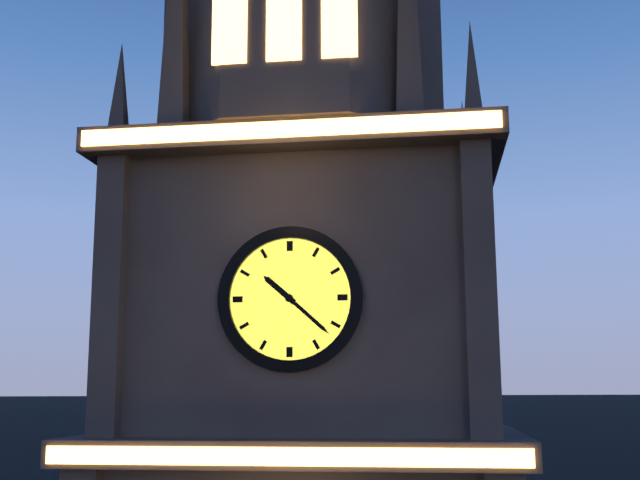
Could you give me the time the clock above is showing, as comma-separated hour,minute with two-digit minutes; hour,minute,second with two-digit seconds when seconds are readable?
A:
10,22
